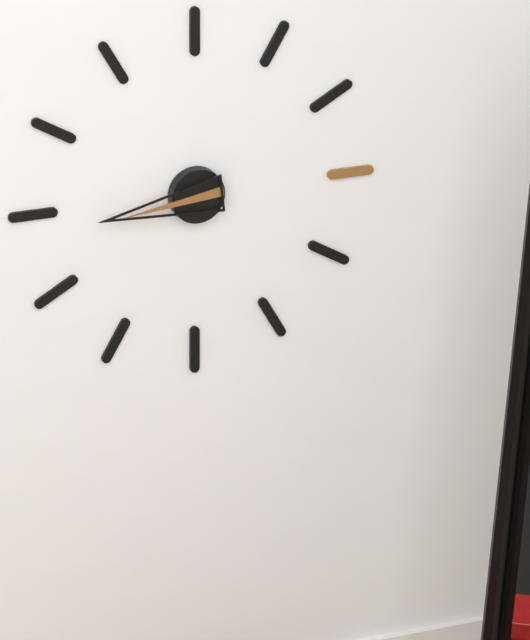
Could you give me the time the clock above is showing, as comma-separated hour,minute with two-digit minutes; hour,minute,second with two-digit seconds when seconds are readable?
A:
8,44
